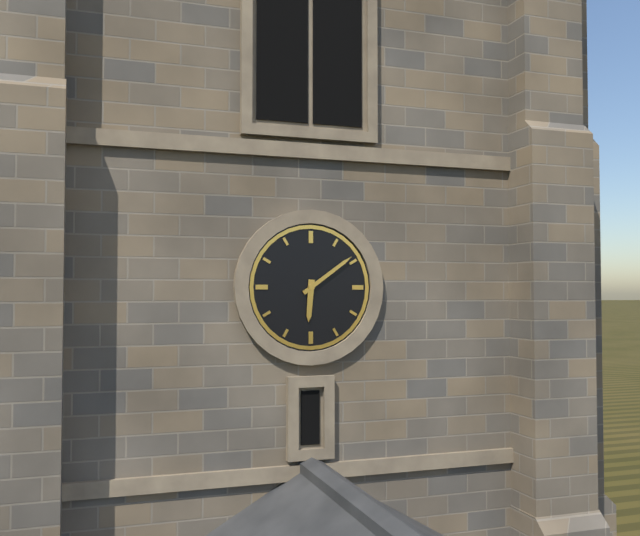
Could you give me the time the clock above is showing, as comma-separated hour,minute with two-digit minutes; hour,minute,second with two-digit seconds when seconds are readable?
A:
6,09
